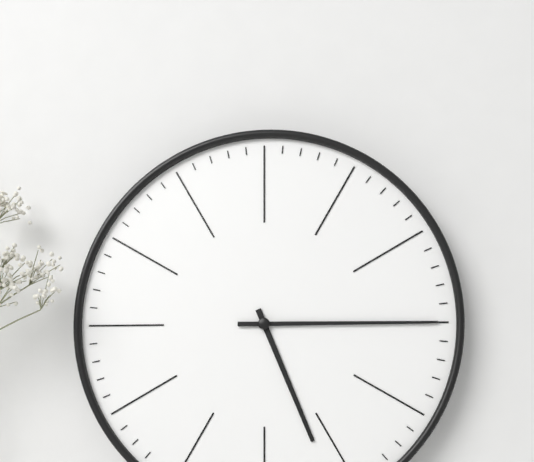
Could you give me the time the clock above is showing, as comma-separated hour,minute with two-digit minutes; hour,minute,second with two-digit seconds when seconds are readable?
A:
5,15
